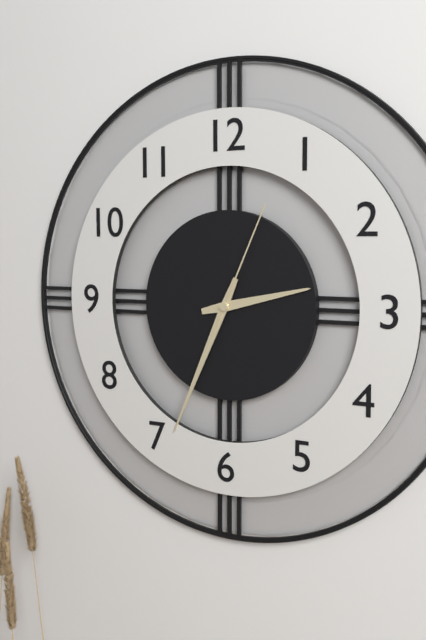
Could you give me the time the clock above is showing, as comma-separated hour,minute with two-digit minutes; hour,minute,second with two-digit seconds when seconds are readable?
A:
2,34,04
